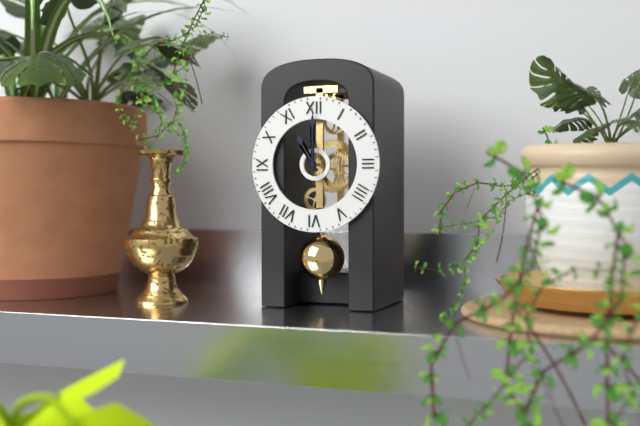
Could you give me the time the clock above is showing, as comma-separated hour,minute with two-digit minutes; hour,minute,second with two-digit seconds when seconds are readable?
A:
11,00
